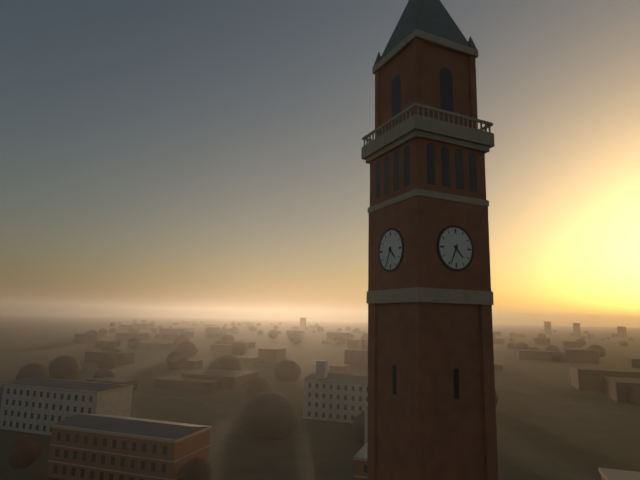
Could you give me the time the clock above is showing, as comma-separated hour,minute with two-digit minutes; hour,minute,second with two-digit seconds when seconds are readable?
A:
4,34
